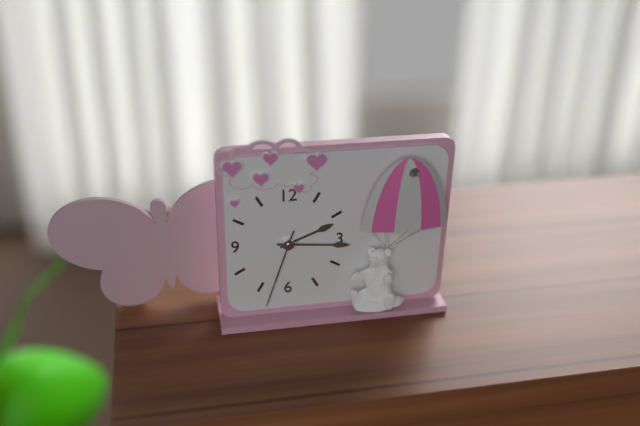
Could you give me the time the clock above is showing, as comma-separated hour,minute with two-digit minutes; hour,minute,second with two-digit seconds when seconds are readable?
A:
2,16,33
